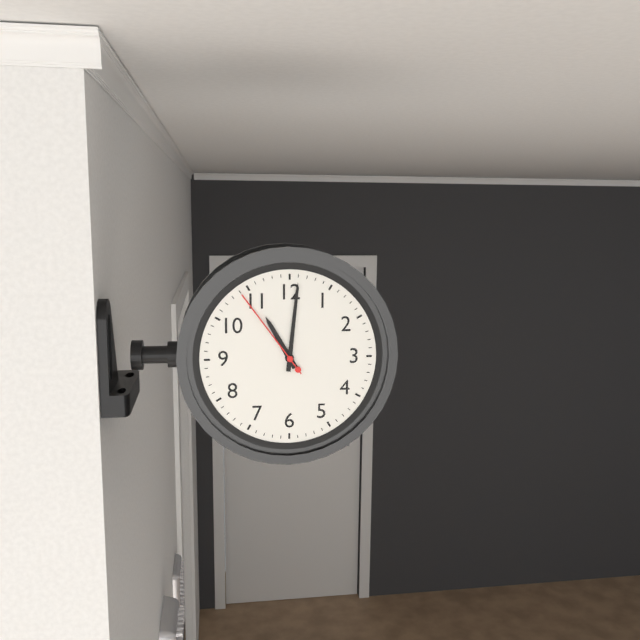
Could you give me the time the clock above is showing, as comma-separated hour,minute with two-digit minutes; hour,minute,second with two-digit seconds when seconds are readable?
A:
11,01,54
